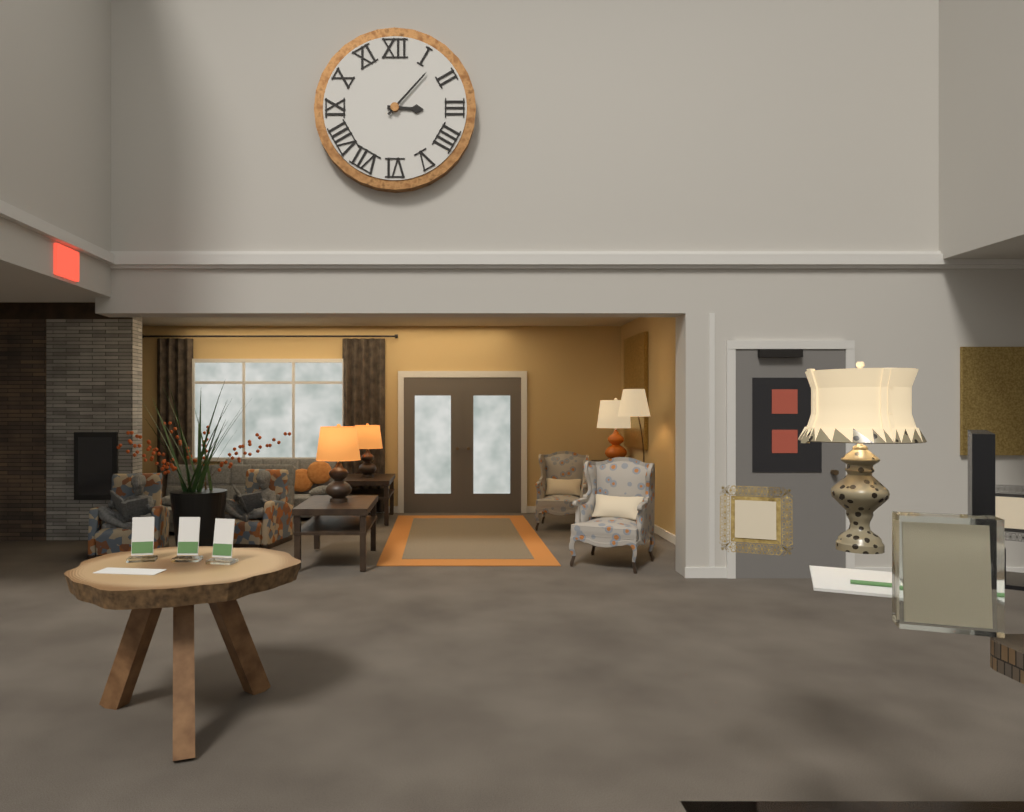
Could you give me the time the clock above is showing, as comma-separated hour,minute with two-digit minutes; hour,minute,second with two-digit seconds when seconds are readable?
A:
3,07
